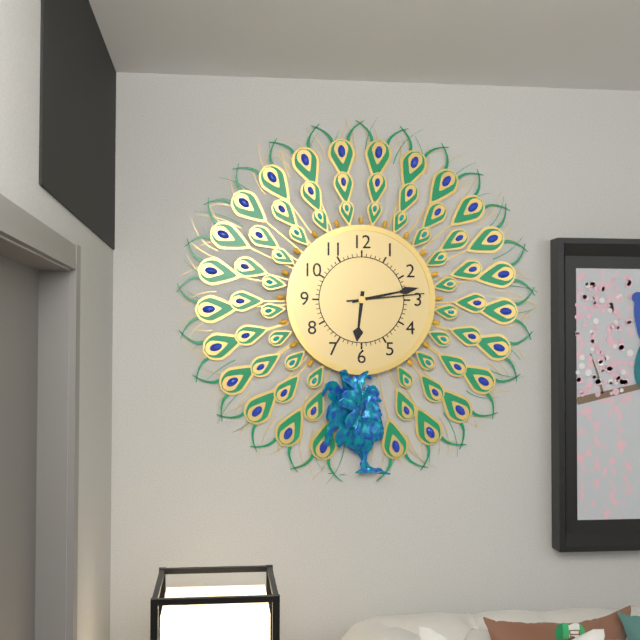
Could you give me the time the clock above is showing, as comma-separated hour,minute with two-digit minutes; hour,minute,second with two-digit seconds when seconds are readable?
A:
6,13,14
